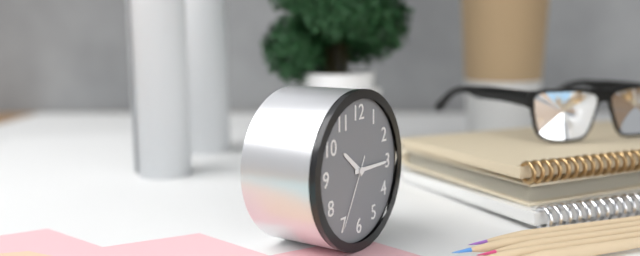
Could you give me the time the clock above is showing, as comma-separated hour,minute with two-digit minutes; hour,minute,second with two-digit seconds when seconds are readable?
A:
10,15,35
